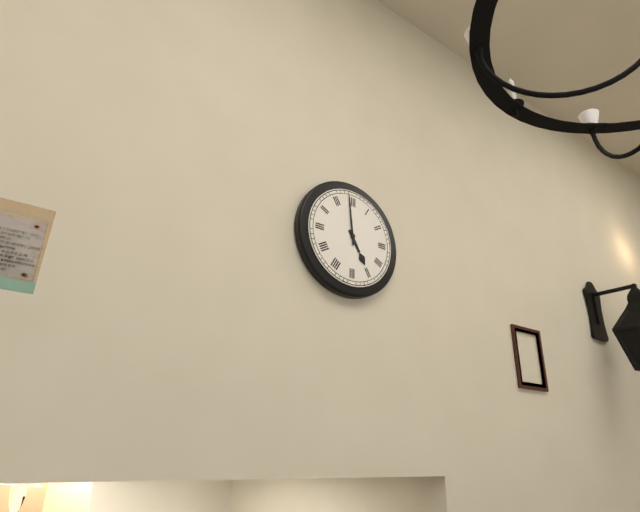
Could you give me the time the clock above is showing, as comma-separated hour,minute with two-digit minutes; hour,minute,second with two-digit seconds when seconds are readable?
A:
4,59
